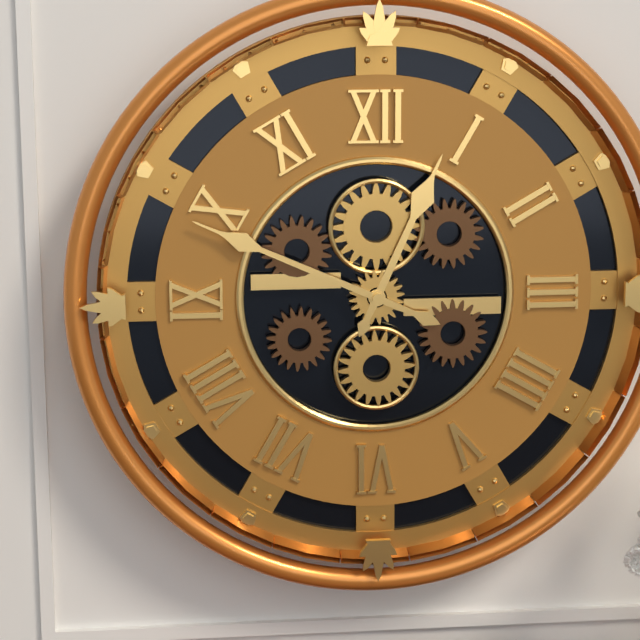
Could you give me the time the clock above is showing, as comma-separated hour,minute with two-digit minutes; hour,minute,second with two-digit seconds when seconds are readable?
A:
12,49
